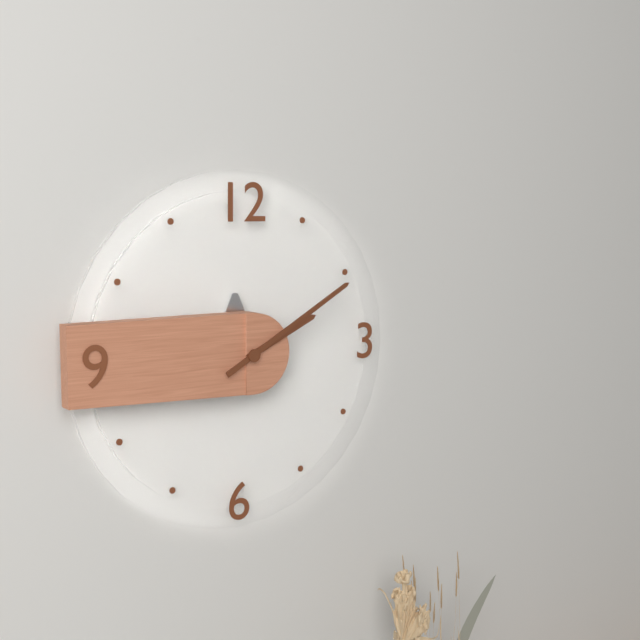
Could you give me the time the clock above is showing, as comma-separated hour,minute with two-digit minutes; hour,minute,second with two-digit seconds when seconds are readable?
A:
2,10
